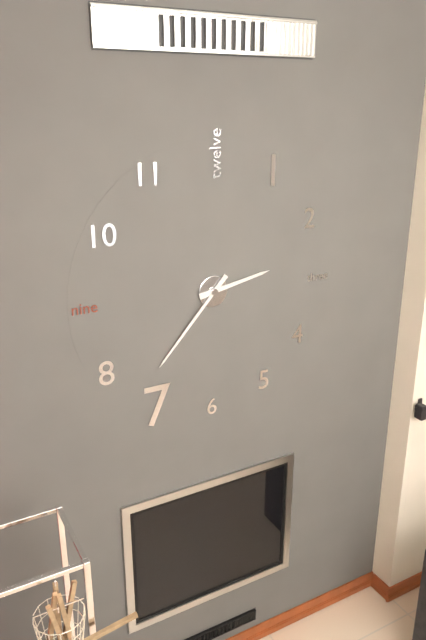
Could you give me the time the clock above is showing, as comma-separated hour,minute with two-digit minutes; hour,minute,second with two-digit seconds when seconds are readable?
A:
2,37
